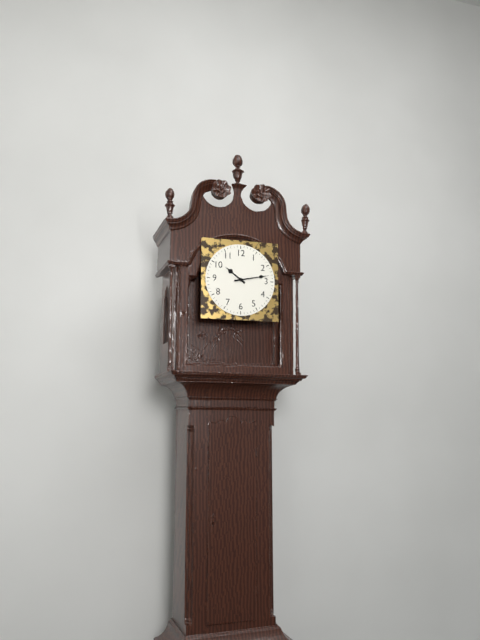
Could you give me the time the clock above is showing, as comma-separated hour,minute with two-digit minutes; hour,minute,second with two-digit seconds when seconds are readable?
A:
10,13
